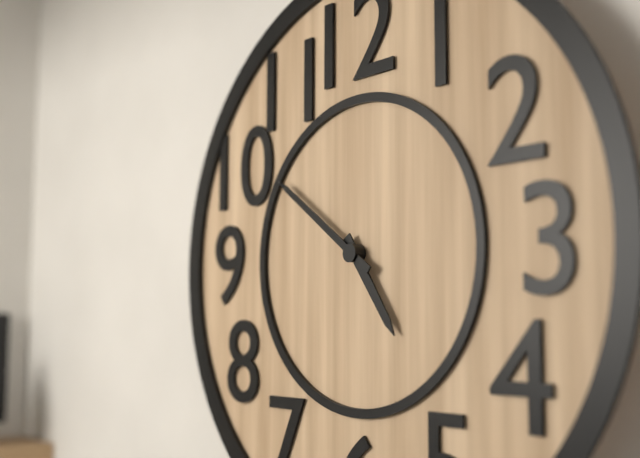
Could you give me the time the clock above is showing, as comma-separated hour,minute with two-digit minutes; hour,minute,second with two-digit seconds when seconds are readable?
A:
4,51
